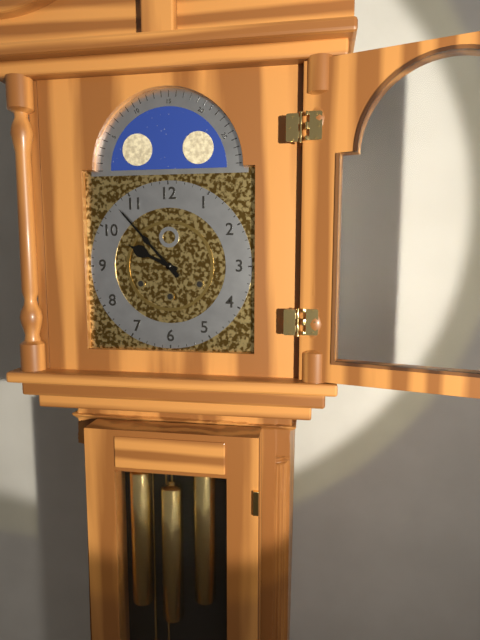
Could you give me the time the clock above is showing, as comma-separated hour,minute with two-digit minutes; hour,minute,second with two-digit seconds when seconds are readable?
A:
9,53
